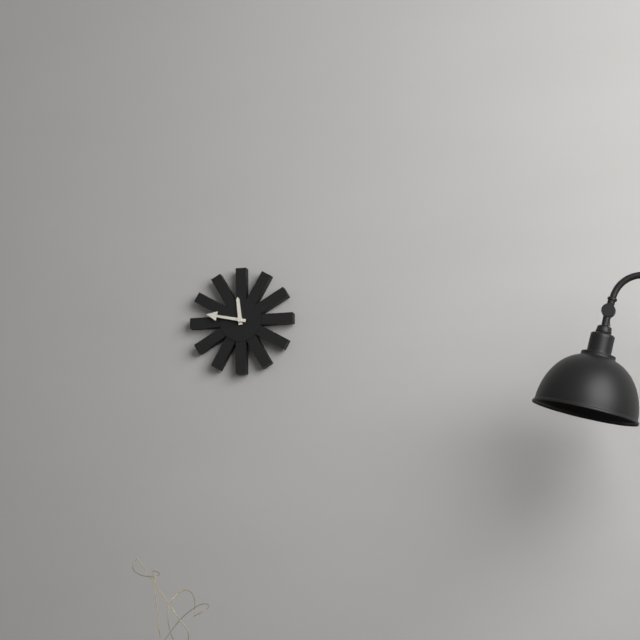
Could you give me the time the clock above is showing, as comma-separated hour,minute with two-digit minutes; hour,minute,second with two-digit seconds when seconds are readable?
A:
11,47
